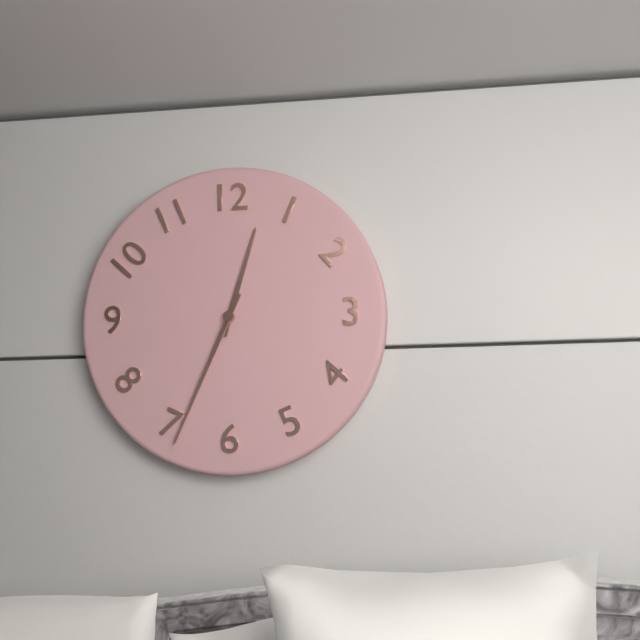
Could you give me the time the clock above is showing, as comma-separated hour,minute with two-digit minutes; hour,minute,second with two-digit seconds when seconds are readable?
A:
12,34
